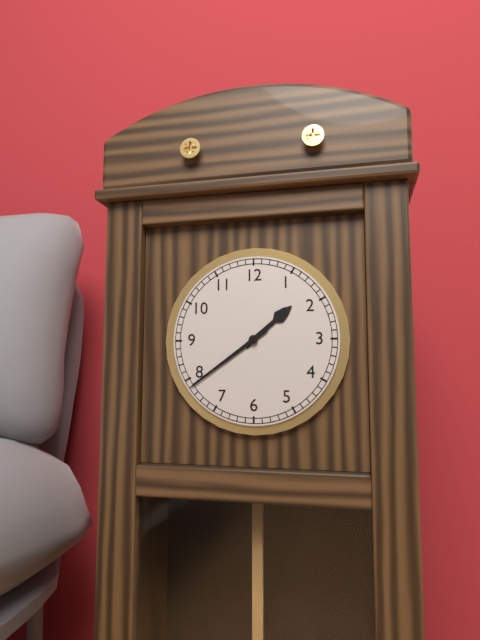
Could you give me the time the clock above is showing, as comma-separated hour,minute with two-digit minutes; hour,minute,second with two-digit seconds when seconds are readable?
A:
1,39
